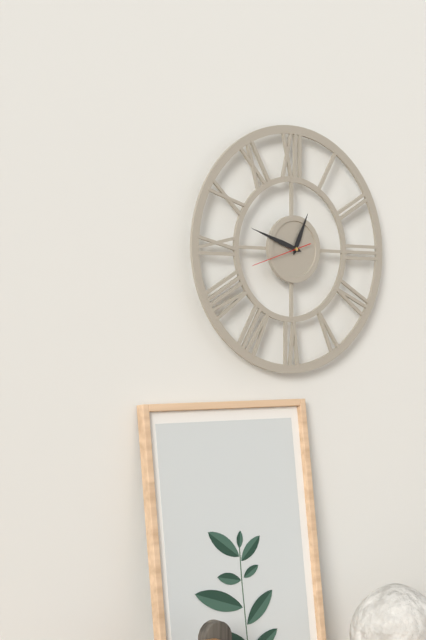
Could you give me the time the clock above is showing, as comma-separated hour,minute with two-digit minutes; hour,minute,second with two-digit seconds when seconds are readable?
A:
12,48,42
